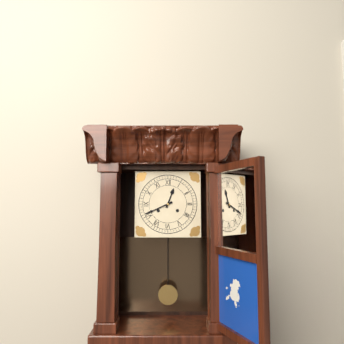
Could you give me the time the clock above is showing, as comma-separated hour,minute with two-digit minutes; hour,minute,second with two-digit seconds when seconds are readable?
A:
12,41
